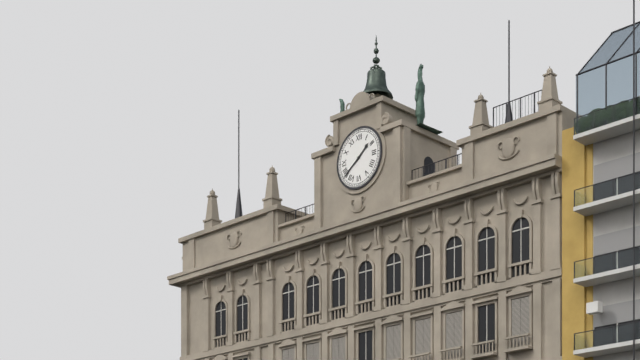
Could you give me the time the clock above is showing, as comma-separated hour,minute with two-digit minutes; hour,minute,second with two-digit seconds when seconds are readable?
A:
1,39
